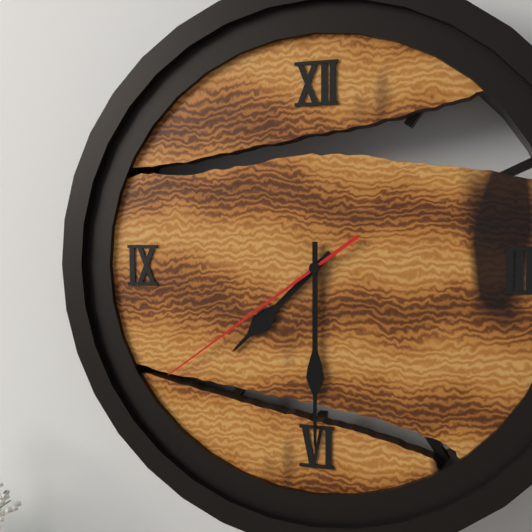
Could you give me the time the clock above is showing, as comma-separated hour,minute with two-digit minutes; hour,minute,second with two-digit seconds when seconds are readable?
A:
7,30,39
